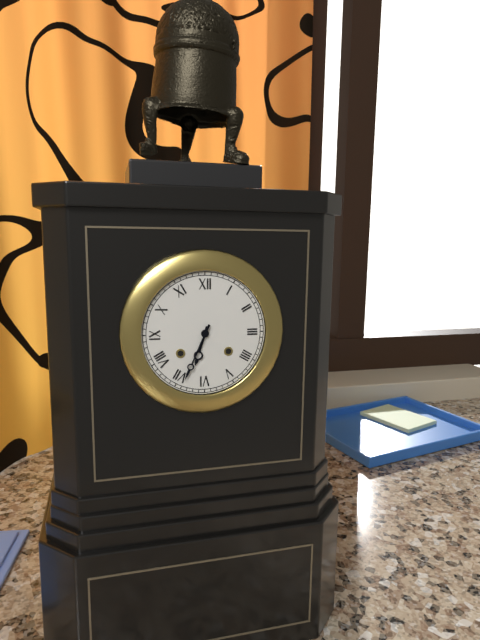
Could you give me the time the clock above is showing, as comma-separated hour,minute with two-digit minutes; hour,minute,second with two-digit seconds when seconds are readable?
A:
6,34
